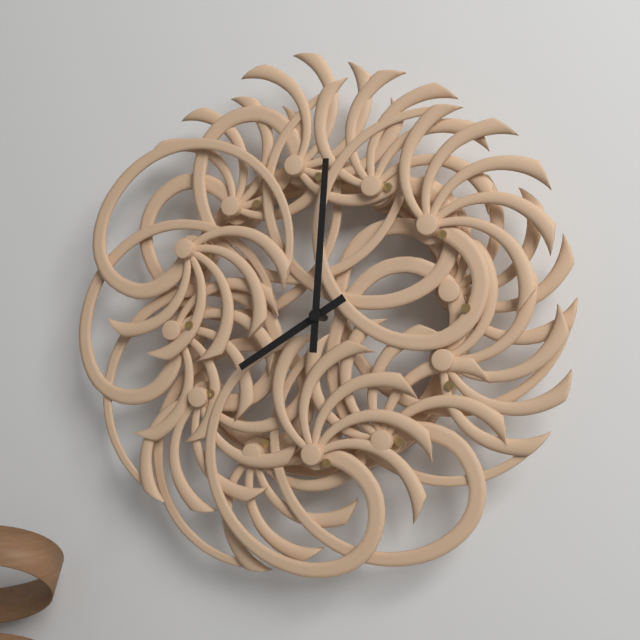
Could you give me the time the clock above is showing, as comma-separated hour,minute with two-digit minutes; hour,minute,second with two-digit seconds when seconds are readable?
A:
8,01
